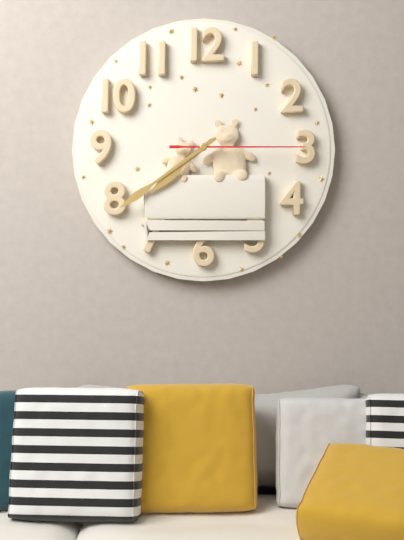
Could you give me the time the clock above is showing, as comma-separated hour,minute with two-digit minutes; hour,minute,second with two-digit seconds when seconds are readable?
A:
7,39,15
